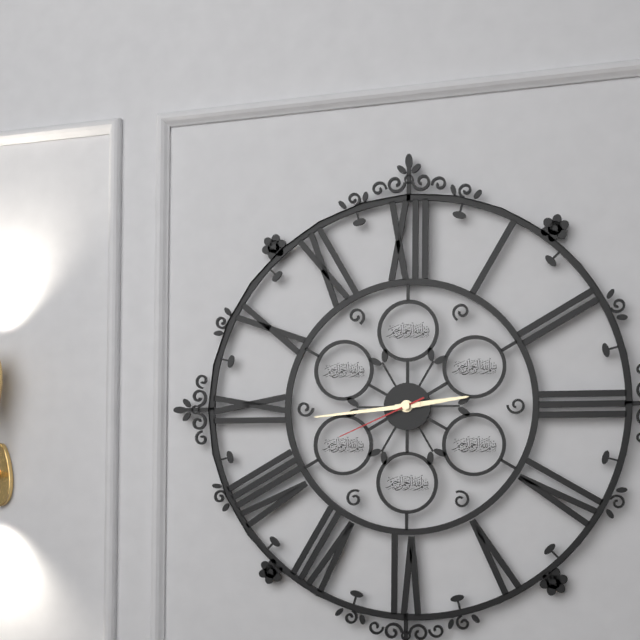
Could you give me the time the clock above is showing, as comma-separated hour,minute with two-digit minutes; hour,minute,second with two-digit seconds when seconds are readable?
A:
2,44,41
